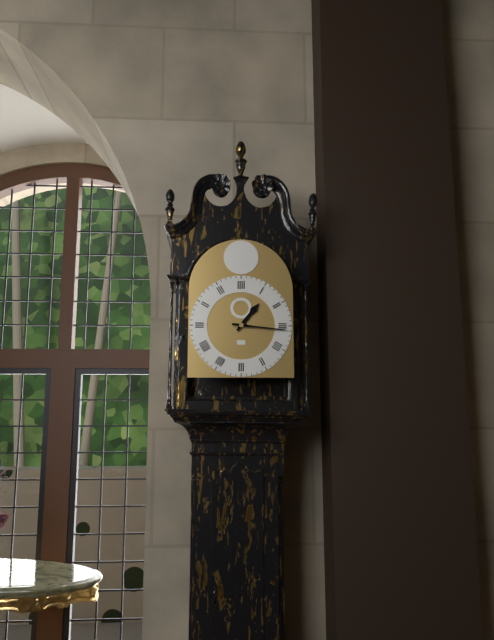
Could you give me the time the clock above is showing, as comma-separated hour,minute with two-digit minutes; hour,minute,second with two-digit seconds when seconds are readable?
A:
1,16
